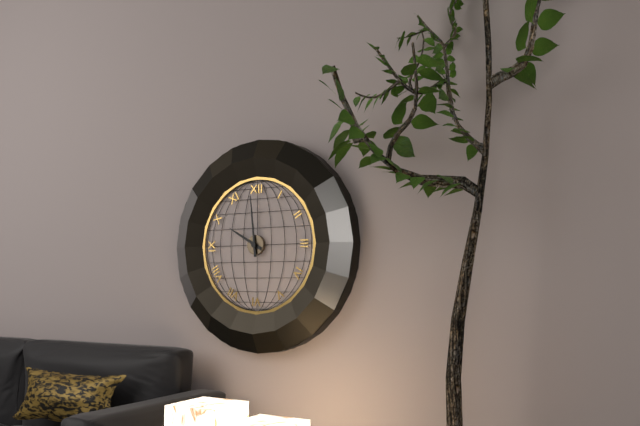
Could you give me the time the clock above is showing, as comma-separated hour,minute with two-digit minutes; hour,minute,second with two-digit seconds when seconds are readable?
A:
9,59
